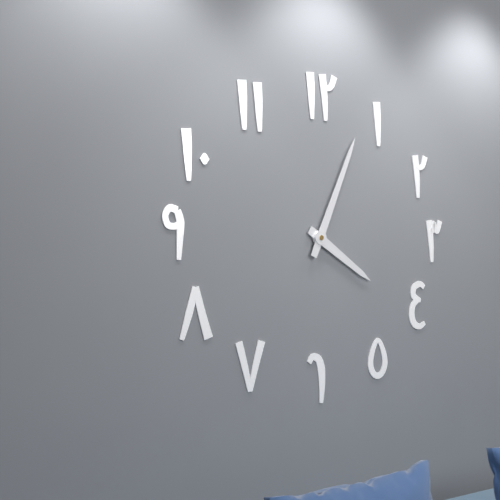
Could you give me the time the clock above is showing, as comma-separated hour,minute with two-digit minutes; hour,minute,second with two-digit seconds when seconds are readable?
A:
4,04
